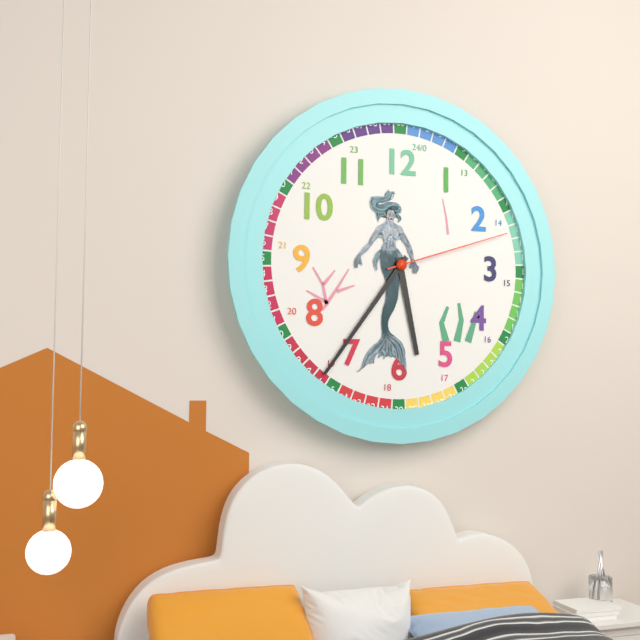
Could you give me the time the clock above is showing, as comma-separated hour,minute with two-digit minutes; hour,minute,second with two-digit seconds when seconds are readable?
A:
5,36,12
